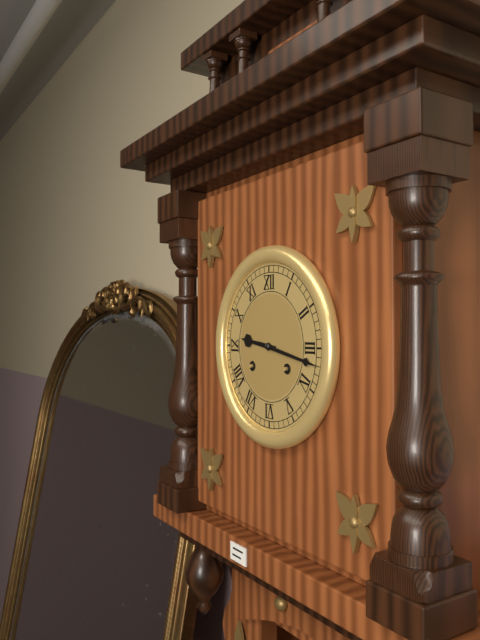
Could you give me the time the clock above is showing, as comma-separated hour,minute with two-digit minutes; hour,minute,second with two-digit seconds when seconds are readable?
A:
9,17
